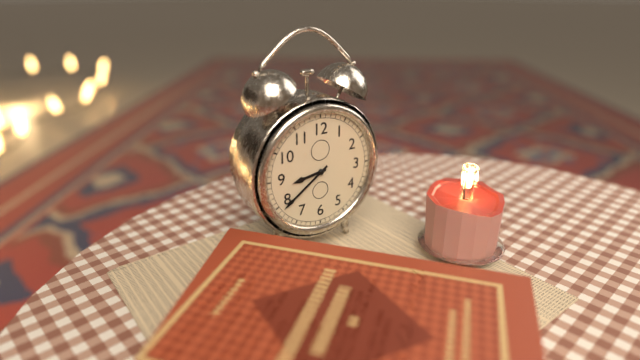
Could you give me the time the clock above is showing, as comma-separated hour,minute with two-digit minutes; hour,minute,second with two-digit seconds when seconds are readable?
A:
8,39
